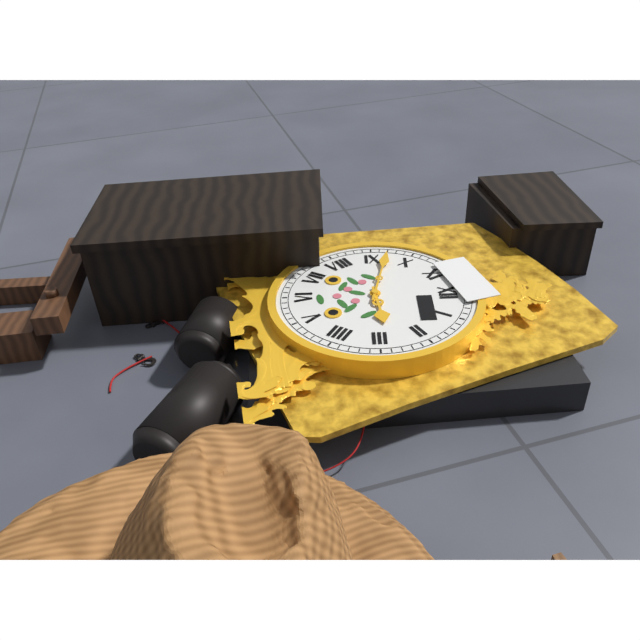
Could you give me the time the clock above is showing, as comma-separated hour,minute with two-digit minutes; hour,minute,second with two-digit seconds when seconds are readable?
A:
2,47
